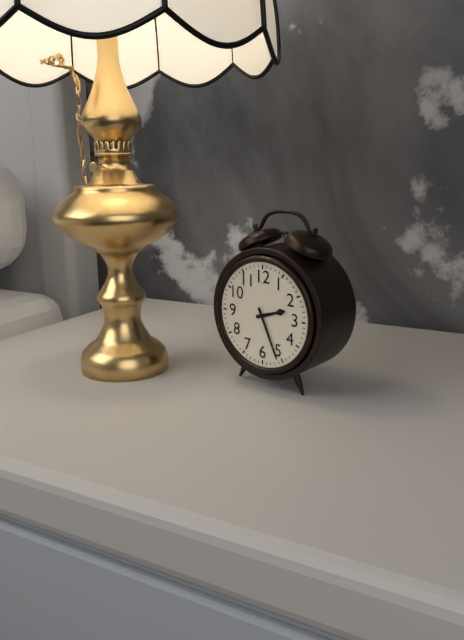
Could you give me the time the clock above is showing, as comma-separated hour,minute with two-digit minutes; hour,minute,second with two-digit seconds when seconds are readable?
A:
2,26
